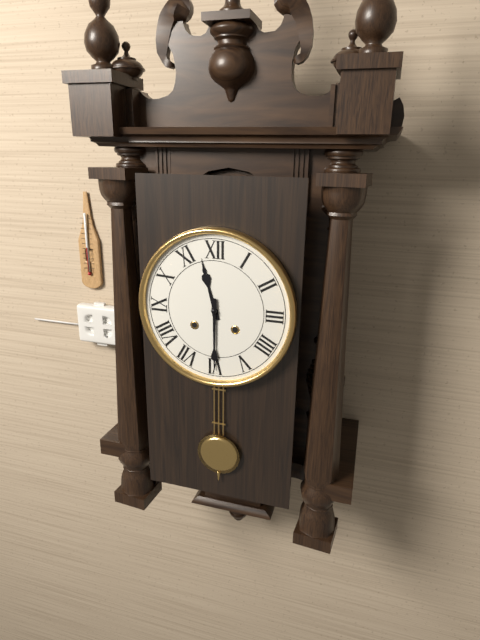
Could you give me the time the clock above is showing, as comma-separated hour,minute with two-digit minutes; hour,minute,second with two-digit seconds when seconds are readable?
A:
11,30
